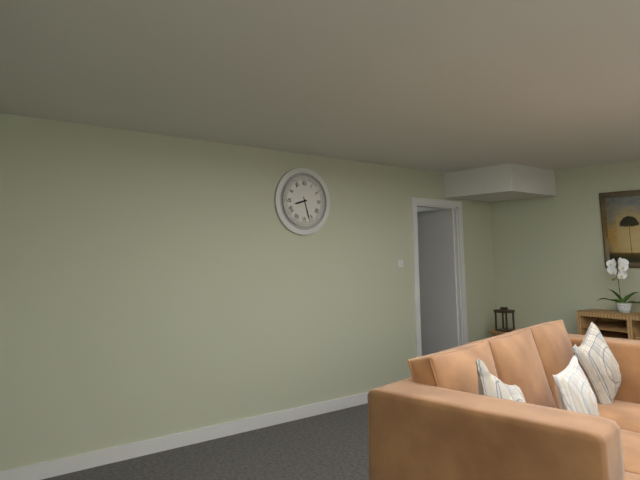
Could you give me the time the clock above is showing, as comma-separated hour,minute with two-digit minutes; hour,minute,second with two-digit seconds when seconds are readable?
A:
8,27
